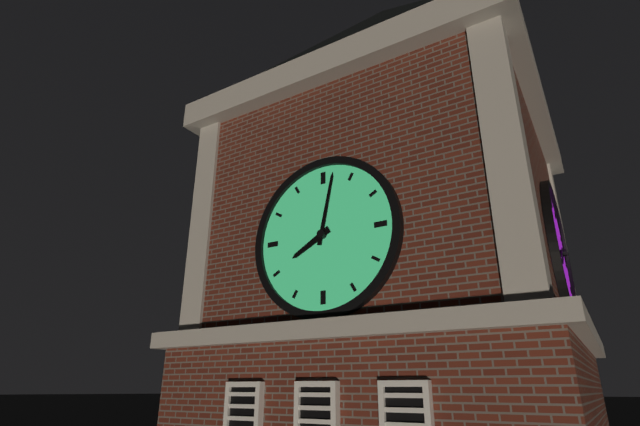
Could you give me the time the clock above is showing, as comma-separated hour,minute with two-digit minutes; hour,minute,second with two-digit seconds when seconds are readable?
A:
8,02
